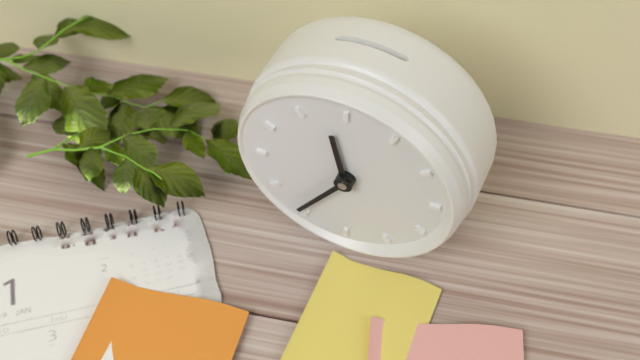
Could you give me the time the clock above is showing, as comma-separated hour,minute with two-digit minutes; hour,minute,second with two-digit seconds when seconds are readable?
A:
11,36
